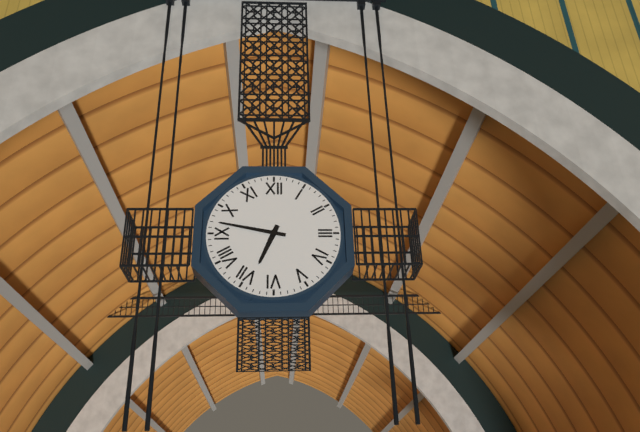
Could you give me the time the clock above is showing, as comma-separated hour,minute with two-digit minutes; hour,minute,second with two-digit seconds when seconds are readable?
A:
6,47
